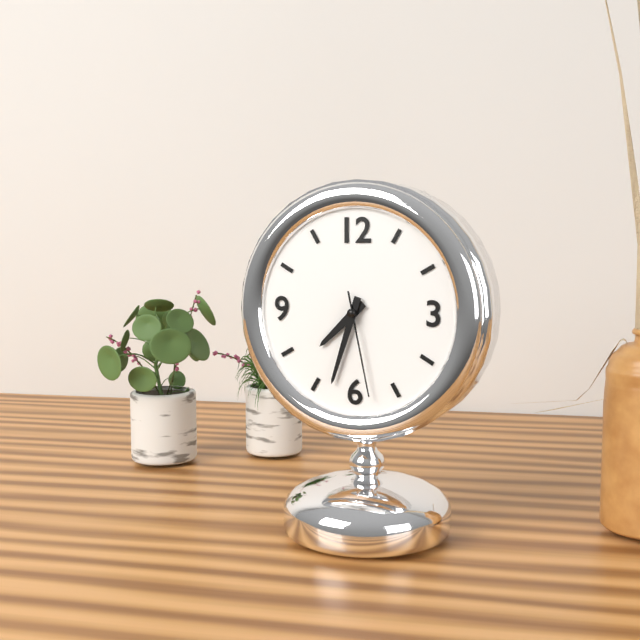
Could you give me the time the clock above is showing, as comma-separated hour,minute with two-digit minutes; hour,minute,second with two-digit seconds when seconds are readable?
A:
7,33,28
